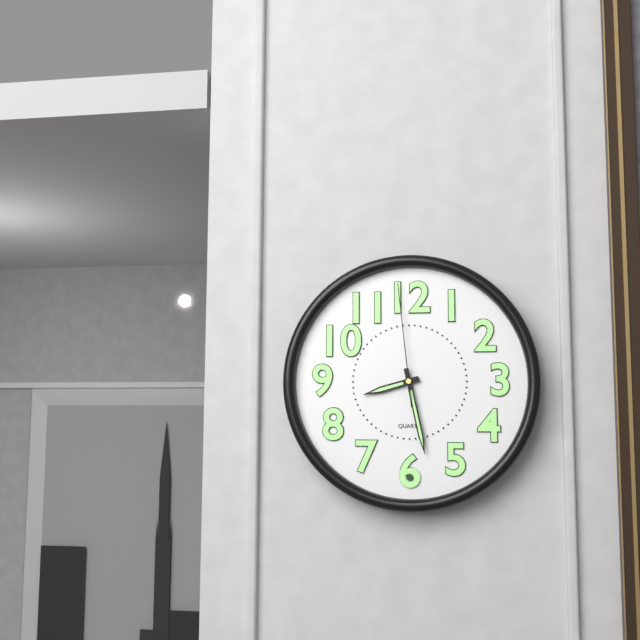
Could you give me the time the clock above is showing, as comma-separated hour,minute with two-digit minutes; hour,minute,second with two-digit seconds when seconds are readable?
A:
8,28,59
